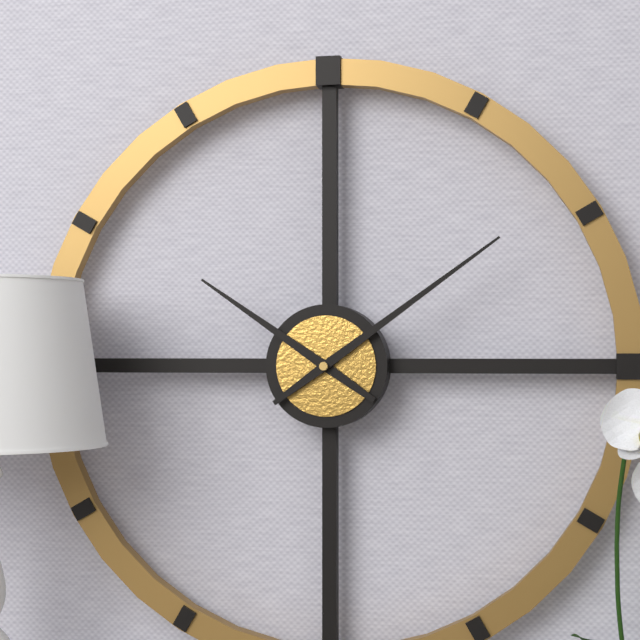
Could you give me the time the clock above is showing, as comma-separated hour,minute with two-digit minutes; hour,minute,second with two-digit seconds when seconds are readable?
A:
10,09
